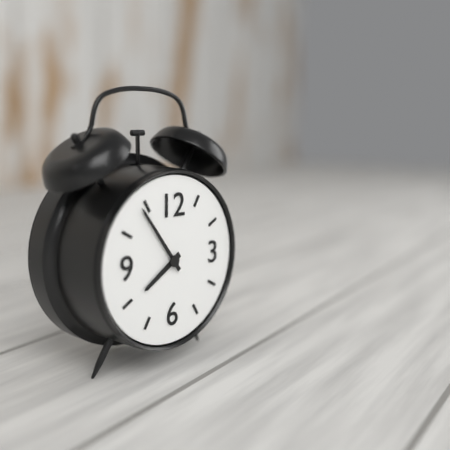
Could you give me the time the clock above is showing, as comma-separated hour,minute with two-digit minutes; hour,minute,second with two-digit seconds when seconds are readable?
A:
7,54
